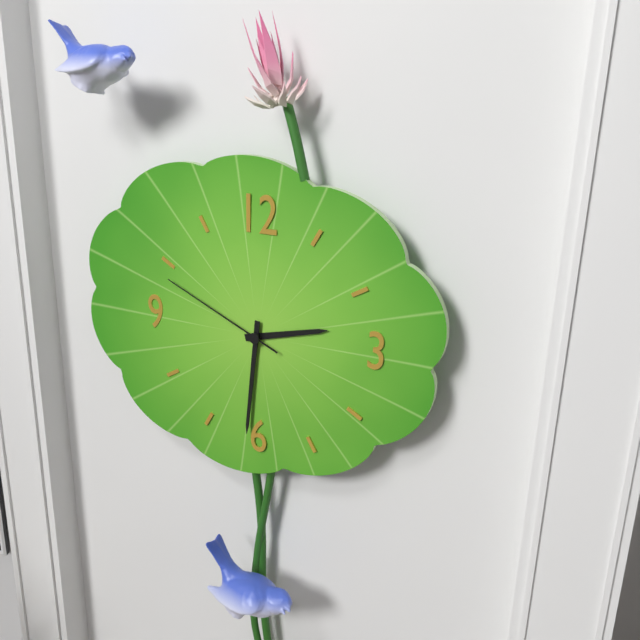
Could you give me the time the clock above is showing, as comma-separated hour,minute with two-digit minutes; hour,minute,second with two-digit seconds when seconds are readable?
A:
2,31,49
